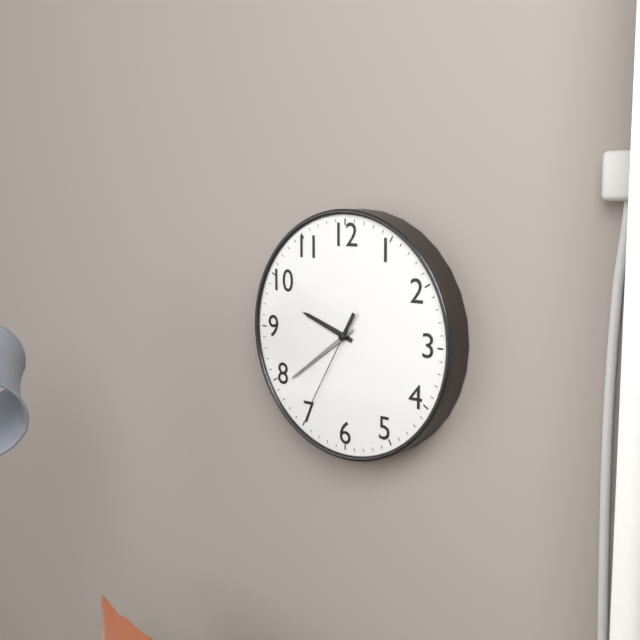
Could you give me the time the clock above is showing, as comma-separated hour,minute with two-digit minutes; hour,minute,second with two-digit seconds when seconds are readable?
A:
9,39,35
